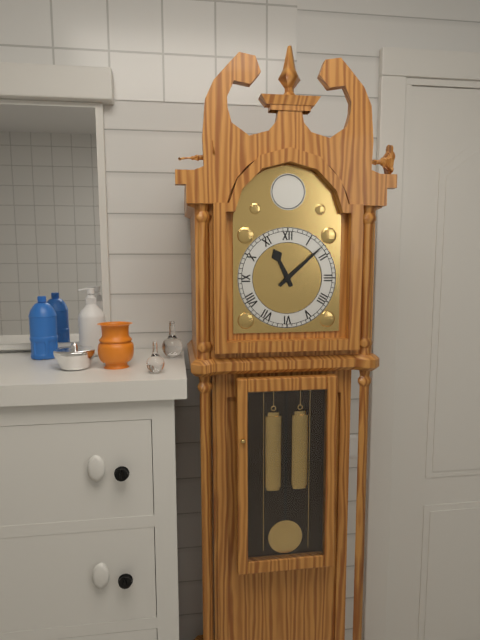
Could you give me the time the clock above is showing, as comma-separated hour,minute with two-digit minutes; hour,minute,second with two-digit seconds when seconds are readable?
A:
11,08
